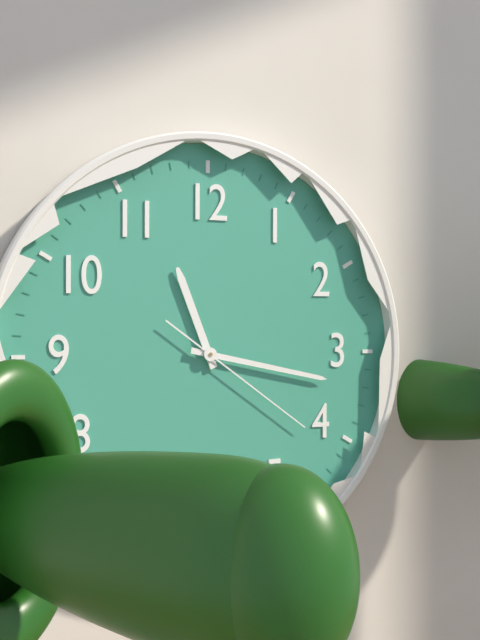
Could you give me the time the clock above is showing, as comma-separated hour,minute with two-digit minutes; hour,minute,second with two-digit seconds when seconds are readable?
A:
11,17,21
